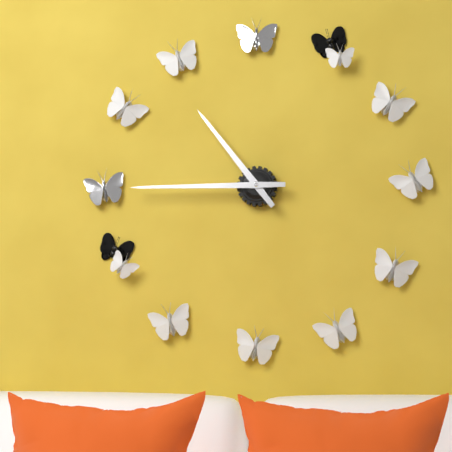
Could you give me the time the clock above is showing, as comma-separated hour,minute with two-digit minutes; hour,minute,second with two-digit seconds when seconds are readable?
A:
10,45
